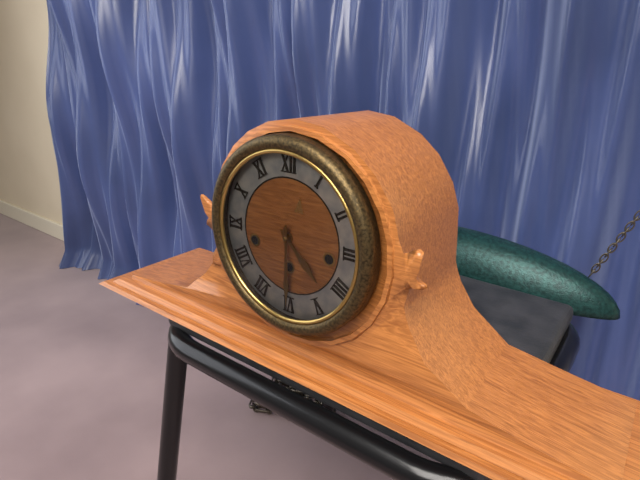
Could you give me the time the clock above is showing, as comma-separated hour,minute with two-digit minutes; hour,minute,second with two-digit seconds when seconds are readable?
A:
4,30
